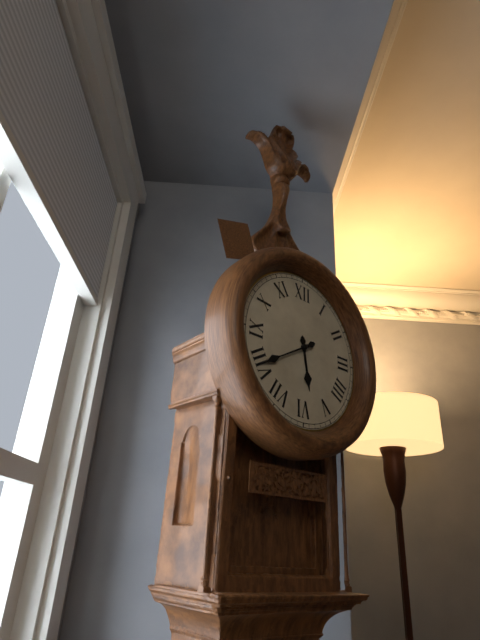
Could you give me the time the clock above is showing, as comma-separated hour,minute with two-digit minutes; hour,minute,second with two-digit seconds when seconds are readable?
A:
5,40
